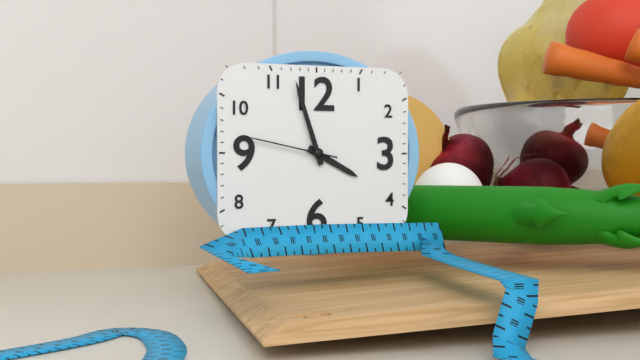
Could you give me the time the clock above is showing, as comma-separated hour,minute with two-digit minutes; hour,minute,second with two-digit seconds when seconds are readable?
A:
3,57,47
